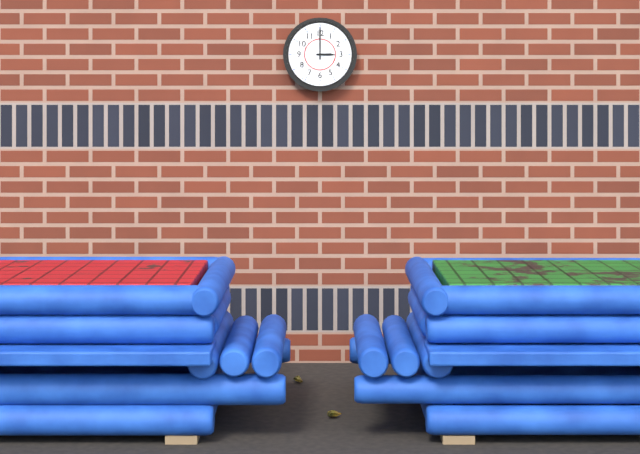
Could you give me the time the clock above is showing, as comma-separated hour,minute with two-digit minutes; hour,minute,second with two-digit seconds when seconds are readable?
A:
3,00
